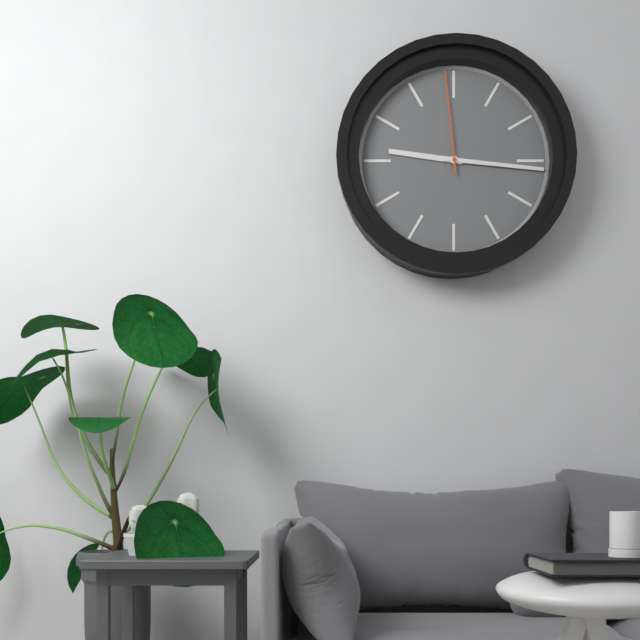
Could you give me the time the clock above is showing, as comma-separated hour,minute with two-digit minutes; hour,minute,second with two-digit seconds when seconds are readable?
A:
9,16,59
